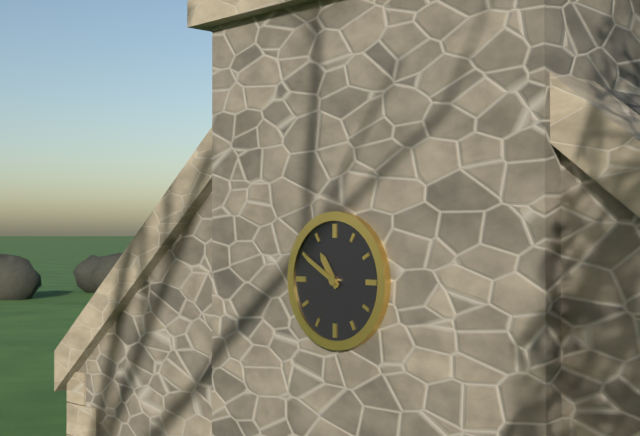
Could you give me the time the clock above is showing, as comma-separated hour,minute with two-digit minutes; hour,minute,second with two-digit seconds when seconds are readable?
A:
10,50
